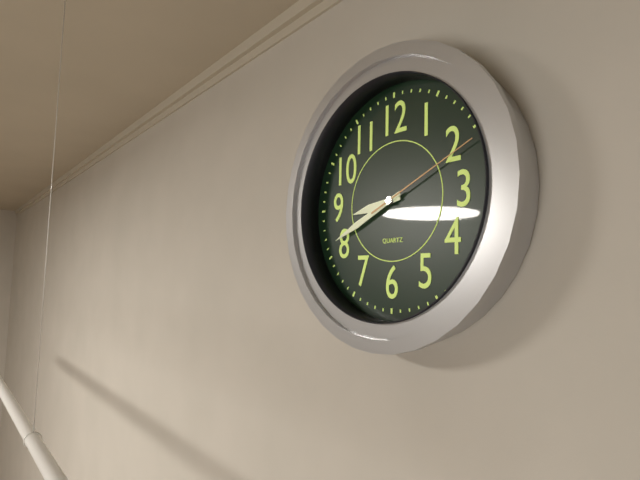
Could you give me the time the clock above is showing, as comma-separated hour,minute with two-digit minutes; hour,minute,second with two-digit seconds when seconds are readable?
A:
8,41,11
